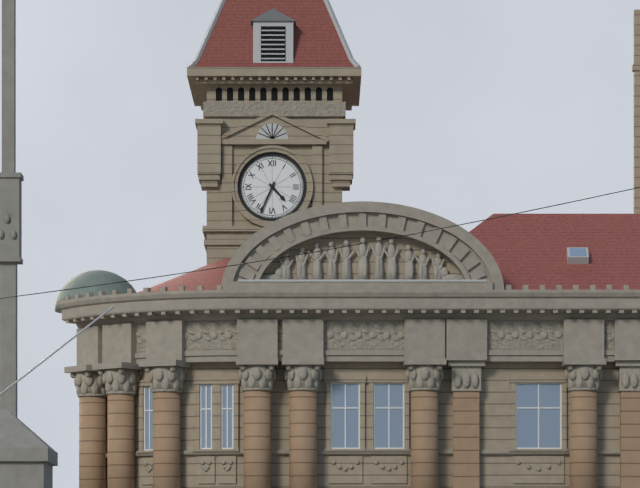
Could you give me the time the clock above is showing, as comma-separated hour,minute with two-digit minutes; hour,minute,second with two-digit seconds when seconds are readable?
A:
4,34
